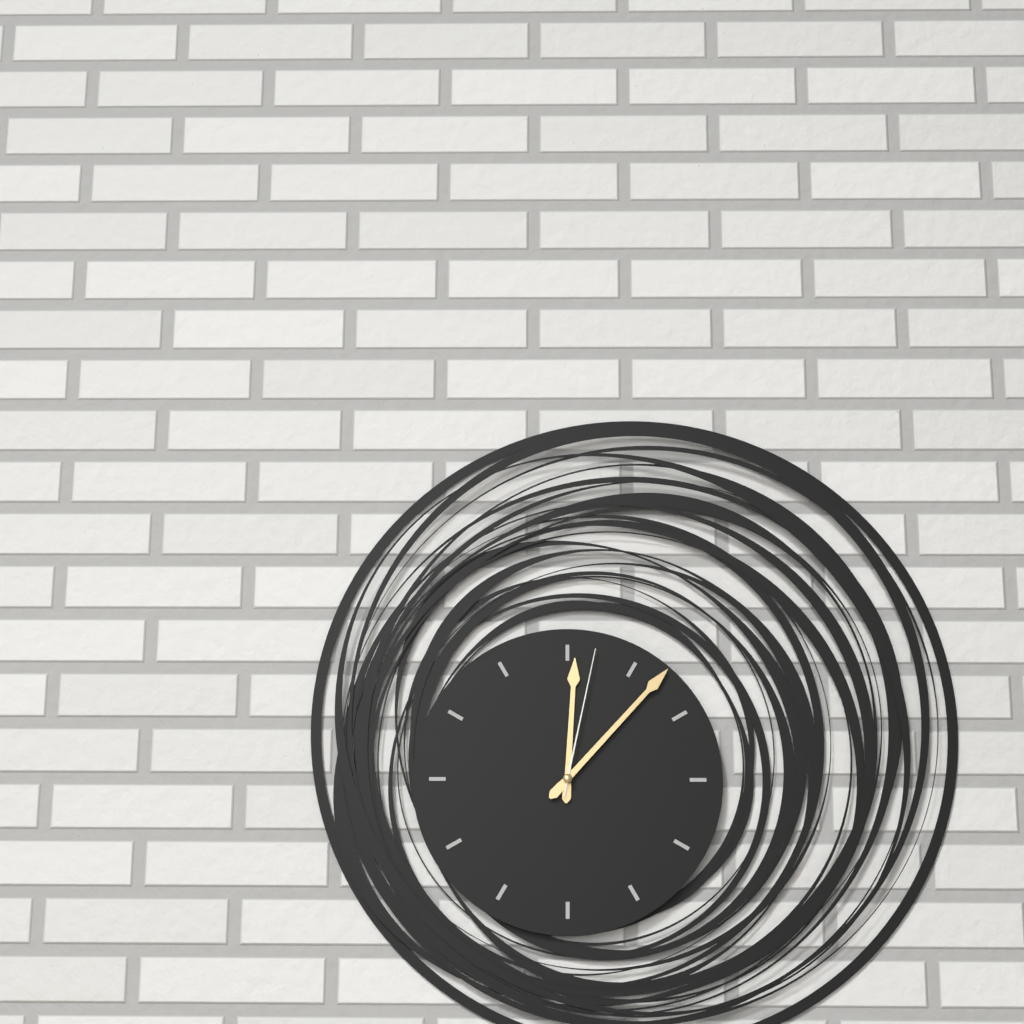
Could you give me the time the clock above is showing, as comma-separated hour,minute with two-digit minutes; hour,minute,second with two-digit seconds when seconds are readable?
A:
12,07,02
